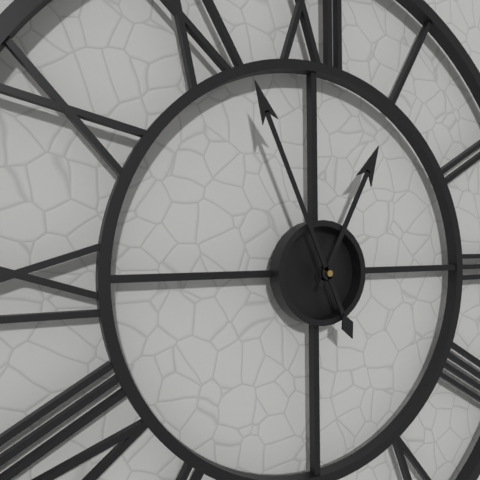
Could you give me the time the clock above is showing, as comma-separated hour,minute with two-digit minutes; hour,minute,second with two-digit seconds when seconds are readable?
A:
12,56
